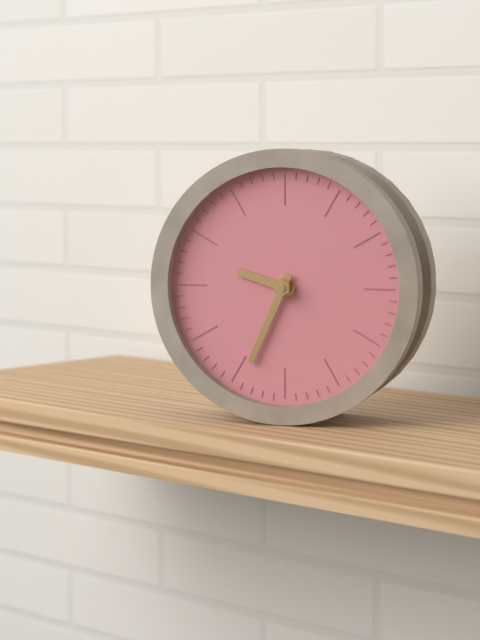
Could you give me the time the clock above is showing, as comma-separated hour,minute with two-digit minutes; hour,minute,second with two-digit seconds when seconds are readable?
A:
9,34
